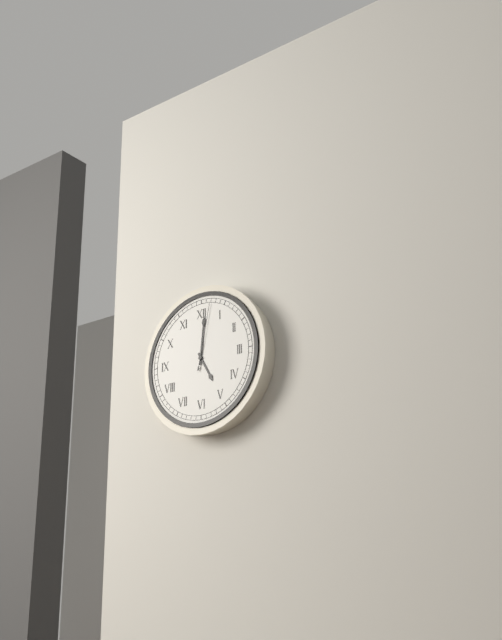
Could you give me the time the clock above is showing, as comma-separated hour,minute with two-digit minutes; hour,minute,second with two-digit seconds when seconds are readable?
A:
5,01,02
